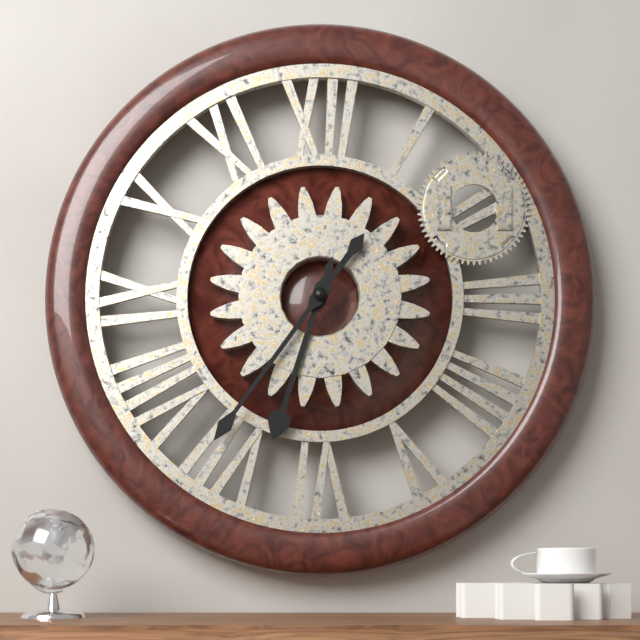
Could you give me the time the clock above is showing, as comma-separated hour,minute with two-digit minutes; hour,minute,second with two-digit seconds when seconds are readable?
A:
6,36
